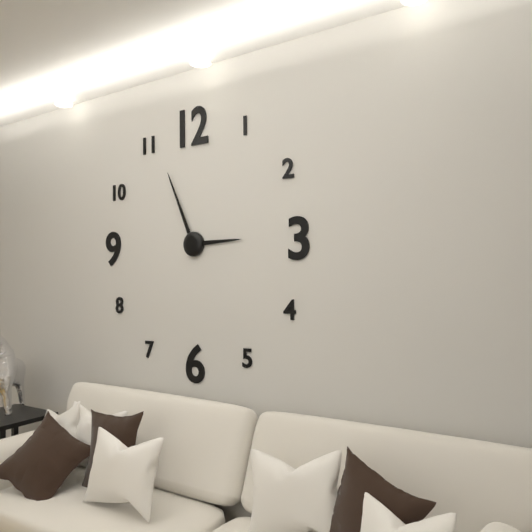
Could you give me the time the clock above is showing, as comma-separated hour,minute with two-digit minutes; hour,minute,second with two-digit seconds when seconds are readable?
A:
2,56
